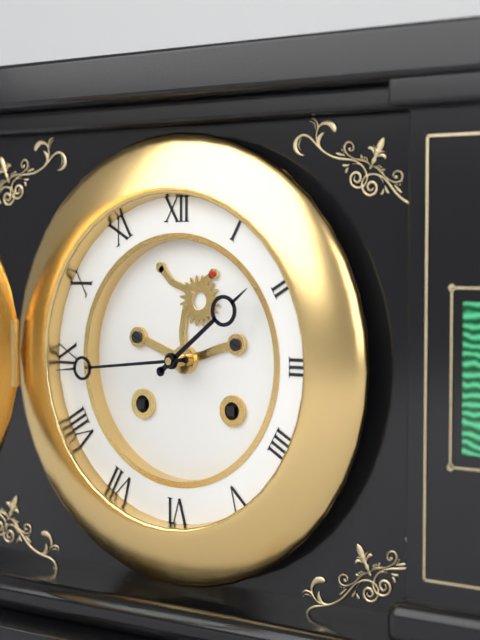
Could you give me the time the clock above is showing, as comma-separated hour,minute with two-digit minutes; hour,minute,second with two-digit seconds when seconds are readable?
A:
1,44
